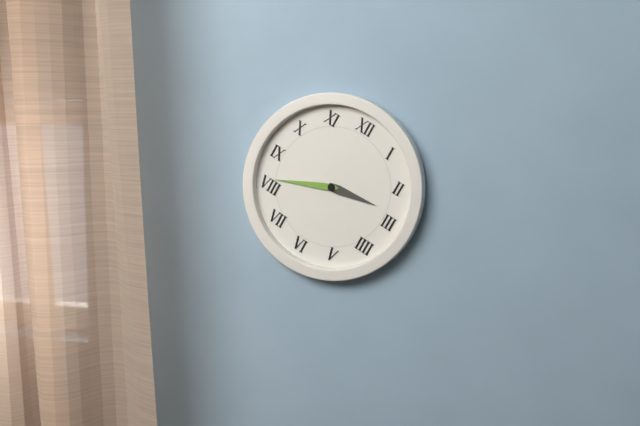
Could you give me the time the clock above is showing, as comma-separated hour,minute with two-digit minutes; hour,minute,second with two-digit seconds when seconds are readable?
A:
2,41
